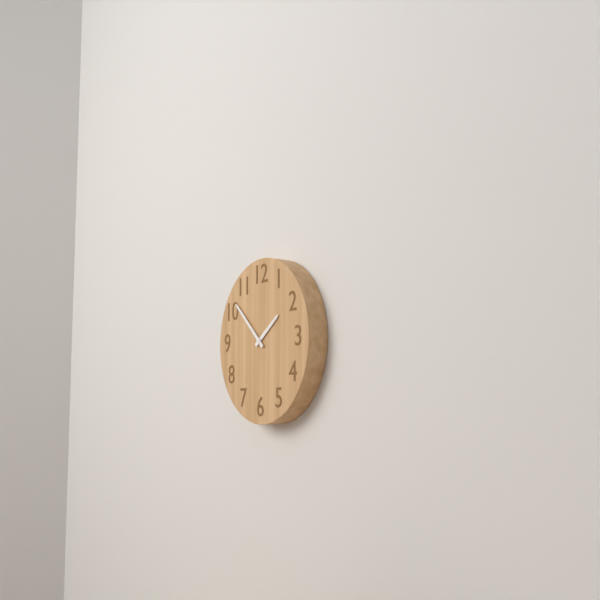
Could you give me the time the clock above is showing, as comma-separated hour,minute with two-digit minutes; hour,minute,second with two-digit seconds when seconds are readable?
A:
1,52
